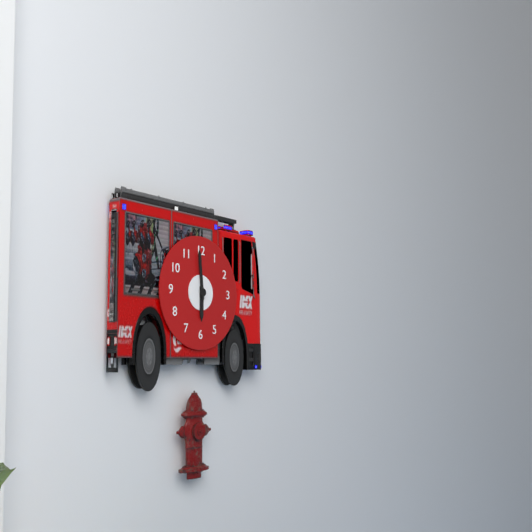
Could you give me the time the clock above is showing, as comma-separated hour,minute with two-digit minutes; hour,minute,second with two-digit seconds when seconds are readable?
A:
5,59
